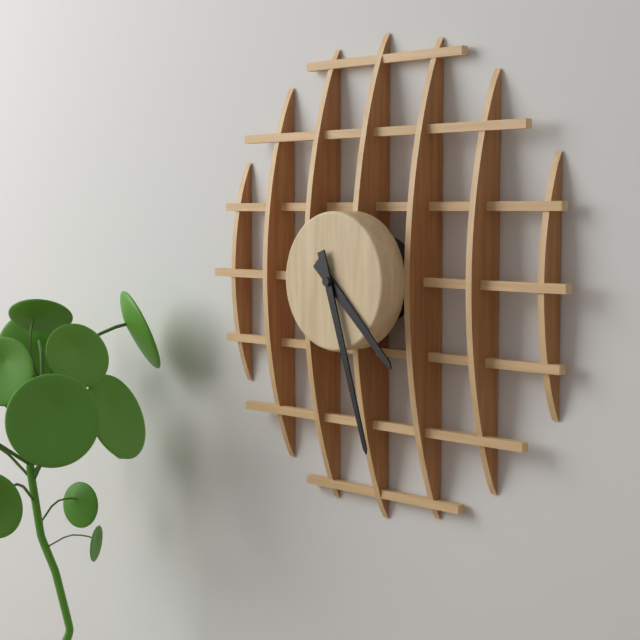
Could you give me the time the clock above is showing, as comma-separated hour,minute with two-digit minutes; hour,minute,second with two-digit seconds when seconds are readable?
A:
4,27
